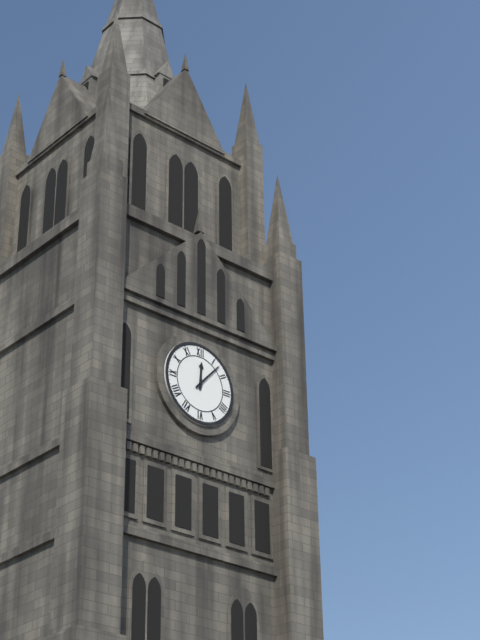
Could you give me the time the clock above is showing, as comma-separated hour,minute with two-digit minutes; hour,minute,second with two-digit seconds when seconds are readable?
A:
12,07
